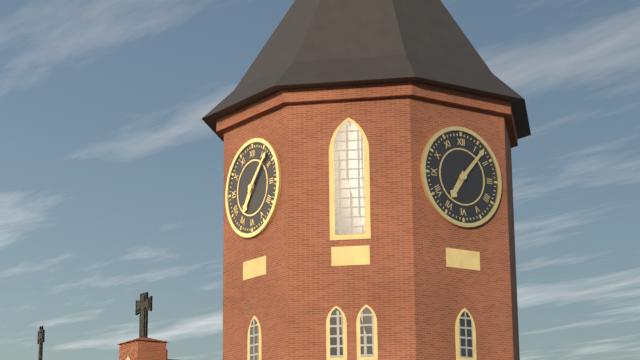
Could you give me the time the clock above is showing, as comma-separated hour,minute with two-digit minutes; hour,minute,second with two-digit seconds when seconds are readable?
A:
7,07
